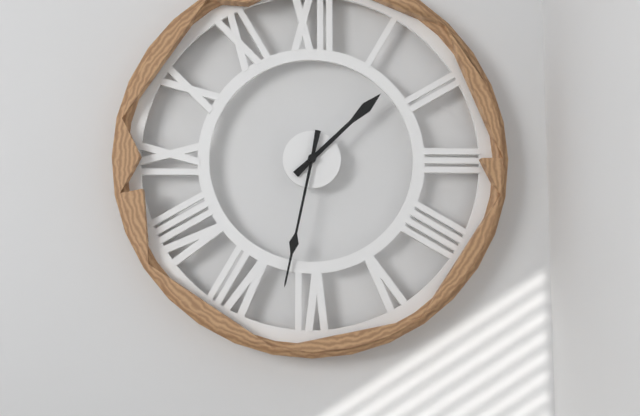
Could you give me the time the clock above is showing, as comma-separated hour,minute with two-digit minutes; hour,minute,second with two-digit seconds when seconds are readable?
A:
1,32
